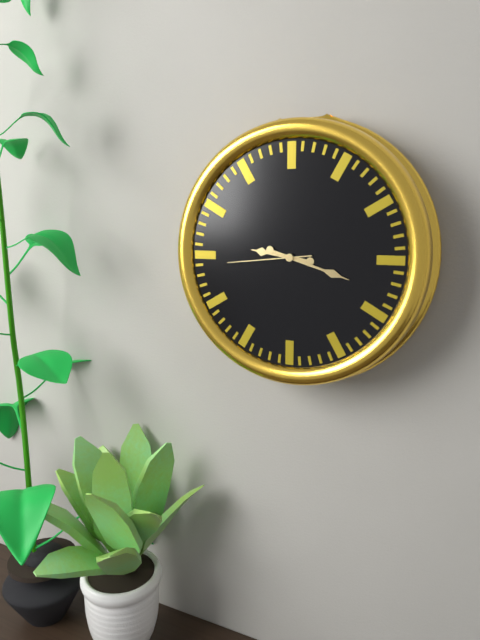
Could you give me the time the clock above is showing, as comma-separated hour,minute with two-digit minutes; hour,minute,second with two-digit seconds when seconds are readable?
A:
9,18,44
